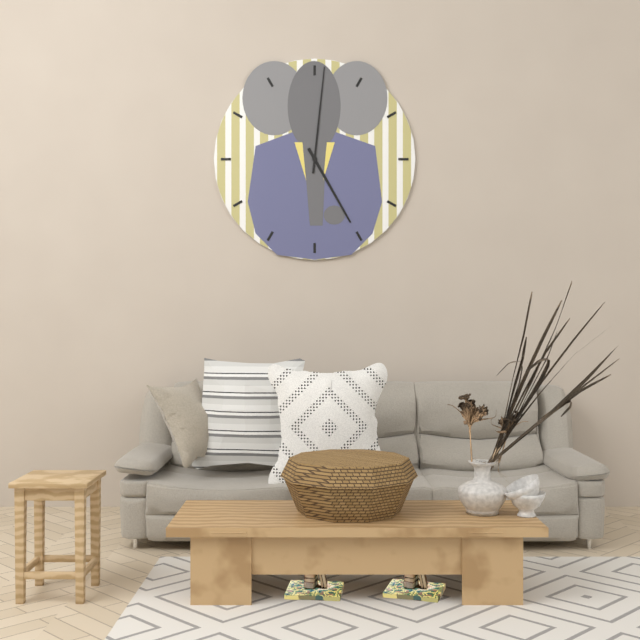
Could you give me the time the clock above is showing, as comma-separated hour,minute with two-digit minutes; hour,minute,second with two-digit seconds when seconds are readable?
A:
5,01
